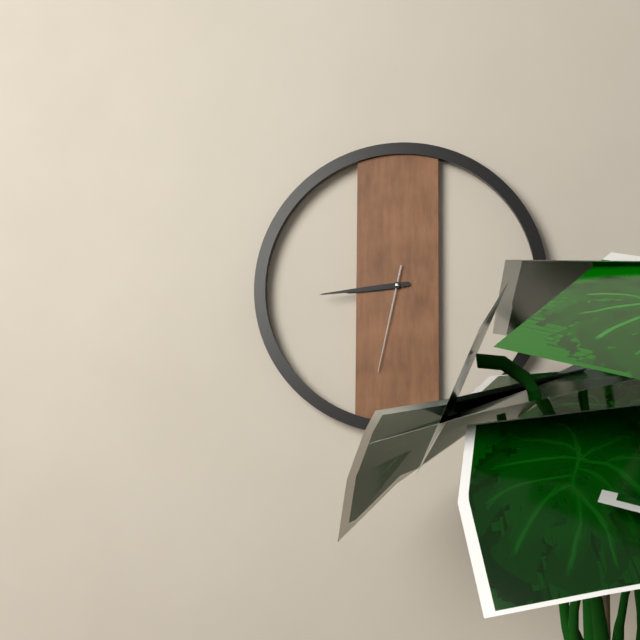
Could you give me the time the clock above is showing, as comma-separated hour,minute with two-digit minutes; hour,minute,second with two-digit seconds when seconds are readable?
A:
8,44,32
